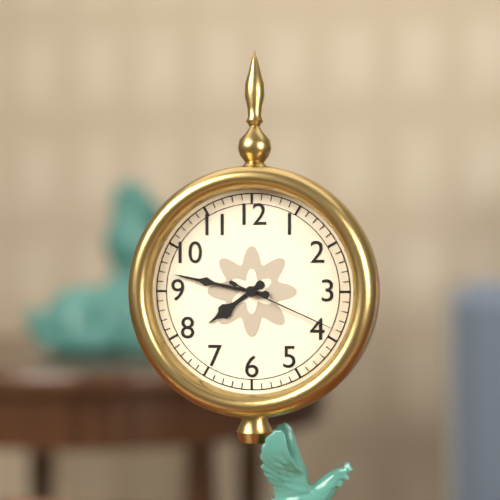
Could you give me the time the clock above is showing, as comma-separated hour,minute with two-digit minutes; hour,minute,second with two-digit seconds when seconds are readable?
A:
7,47,19
